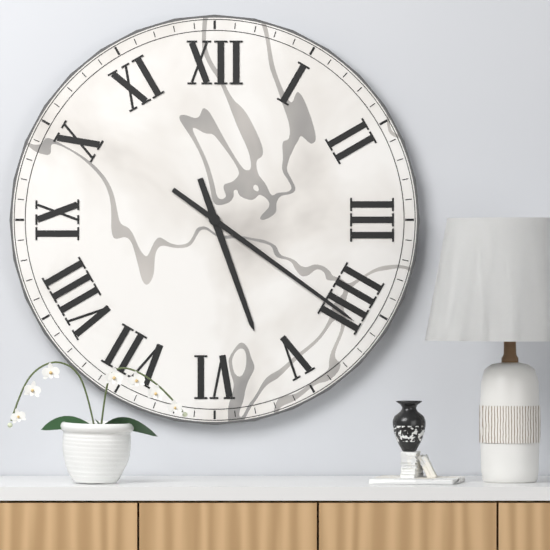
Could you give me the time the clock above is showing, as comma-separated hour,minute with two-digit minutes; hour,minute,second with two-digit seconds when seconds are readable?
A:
5,21
